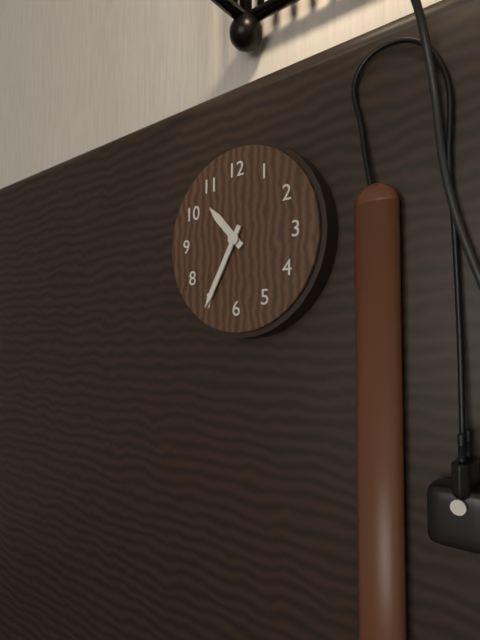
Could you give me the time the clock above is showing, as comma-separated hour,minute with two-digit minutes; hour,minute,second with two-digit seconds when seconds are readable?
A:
10,35
